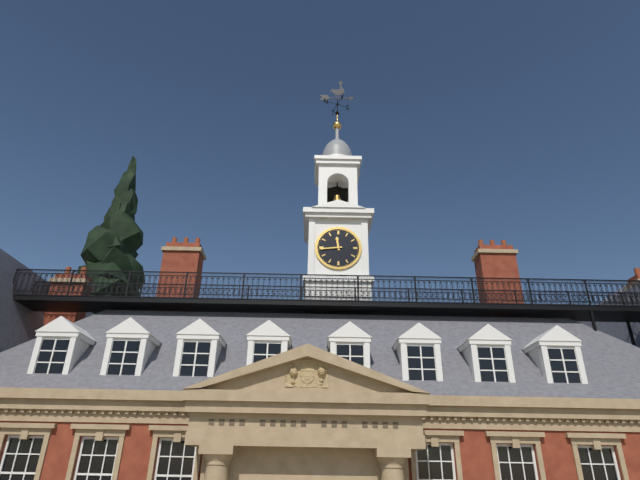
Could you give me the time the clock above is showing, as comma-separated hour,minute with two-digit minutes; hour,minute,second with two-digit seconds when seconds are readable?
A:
11,44
